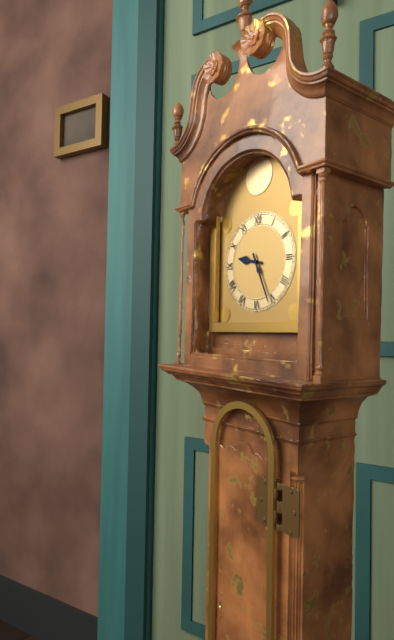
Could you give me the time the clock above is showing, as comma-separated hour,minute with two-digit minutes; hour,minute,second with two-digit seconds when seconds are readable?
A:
9,26
